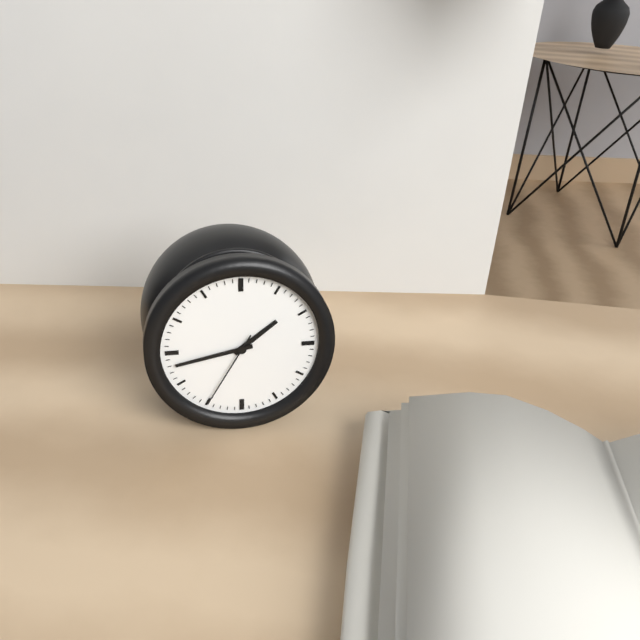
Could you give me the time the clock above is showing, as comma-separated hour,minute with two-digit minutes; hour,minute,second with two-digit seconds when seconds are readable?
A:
1,43,35
